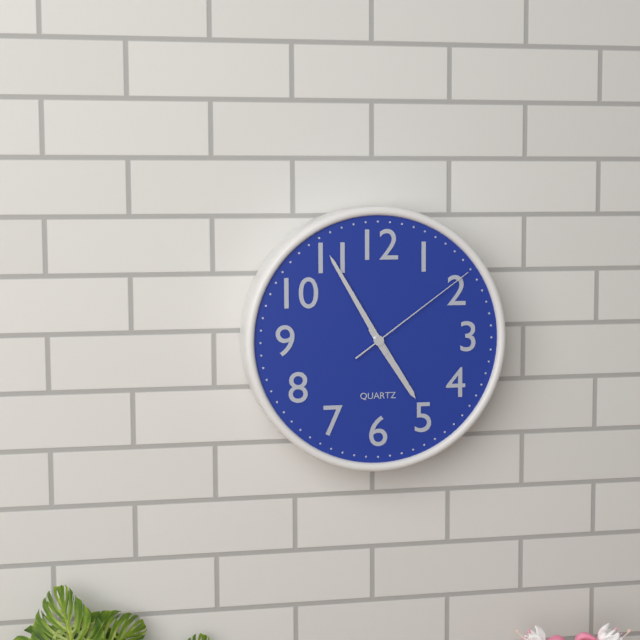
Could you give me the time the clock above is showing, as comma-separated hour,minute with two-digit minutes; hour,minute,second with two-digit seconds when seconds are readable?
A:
4,55,09
